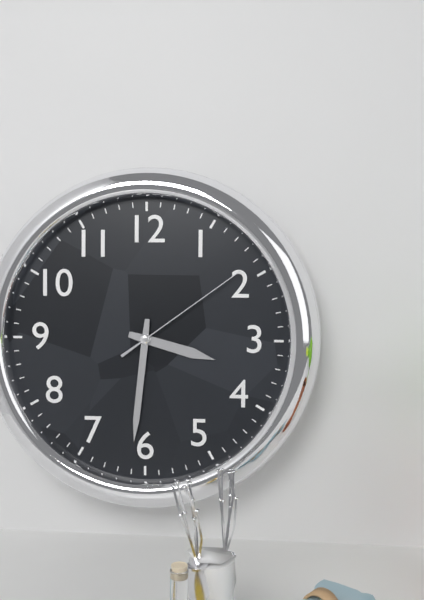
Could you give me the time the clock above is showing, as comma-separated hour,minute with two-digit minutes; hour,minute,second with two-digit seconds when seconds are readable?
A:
3,31,09
